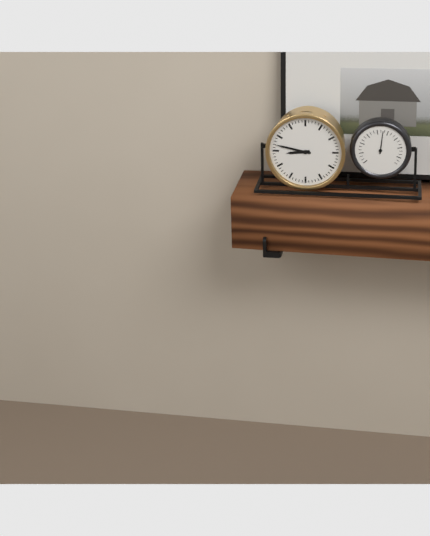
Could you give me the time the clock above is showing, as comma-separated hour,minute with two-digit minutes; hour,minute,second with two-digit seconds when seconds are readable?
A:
8,47
